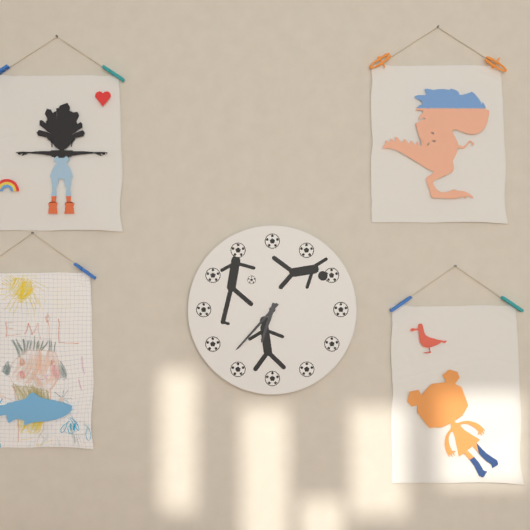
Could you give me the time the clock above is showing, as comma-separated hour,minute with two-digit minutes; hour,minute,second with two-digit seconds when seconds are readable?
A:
6,37
